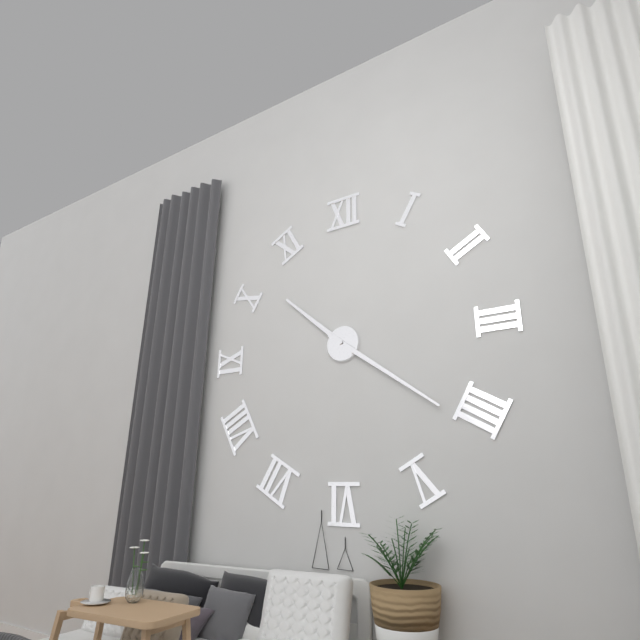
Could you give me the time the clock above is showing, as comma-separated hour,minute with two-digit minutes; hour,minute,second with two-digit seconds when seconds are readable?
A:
10,21
